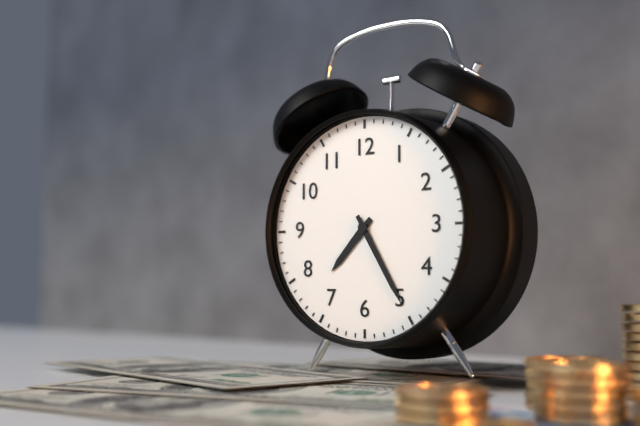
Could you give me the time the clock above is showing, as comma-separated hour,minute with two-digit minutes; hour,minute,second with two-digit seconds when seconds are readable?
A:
7,25
